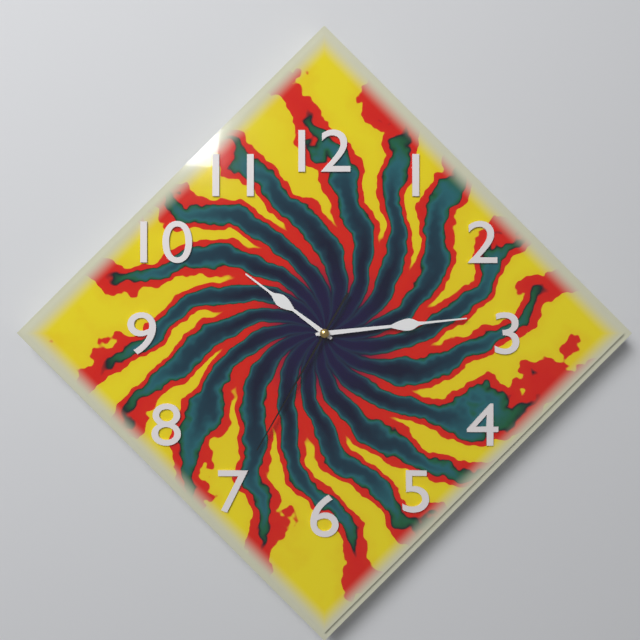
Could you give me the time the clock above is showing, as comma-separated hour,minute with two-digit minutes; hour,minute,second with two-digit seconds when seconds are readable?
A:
10,14,35
